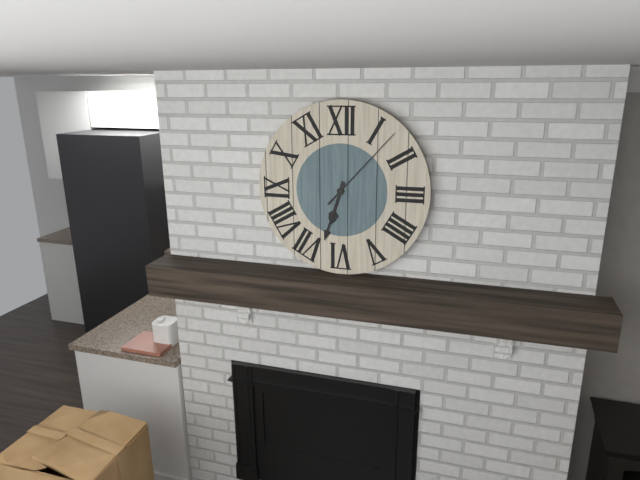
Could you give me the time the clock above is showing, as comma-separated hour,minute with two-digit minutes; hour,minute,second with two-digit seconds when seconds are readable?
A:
6,33,07
